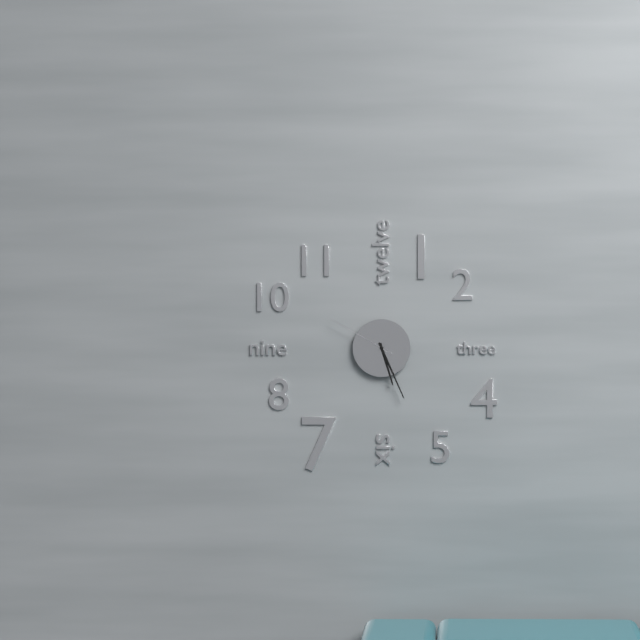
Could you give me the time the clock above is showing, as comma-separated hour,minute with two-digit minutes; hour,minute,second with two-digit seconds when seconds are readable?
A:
5,26,50
